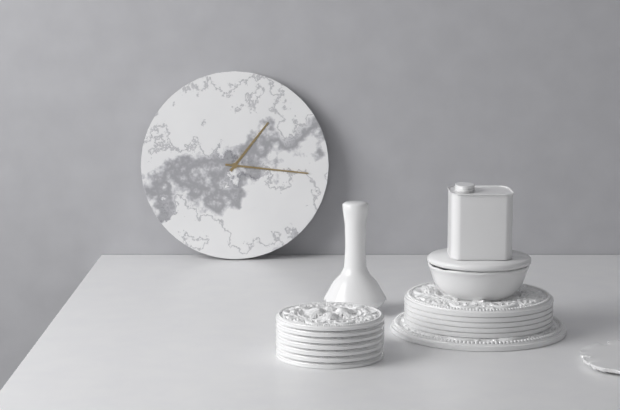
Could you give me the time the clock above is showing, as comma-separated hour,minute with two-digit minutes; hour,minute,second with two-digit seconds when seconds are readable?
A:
1,16
